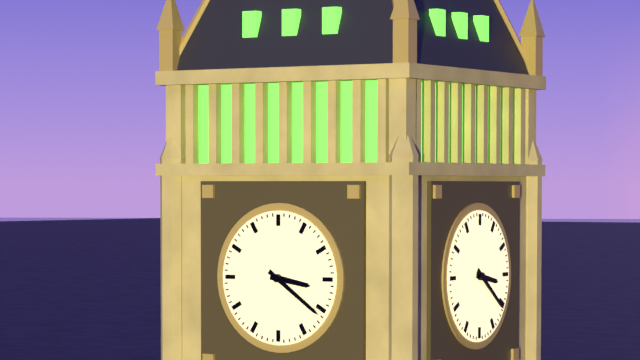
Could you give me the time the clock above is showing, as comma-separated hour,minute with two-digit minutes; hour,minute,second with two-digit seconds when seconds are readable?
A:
3,21
